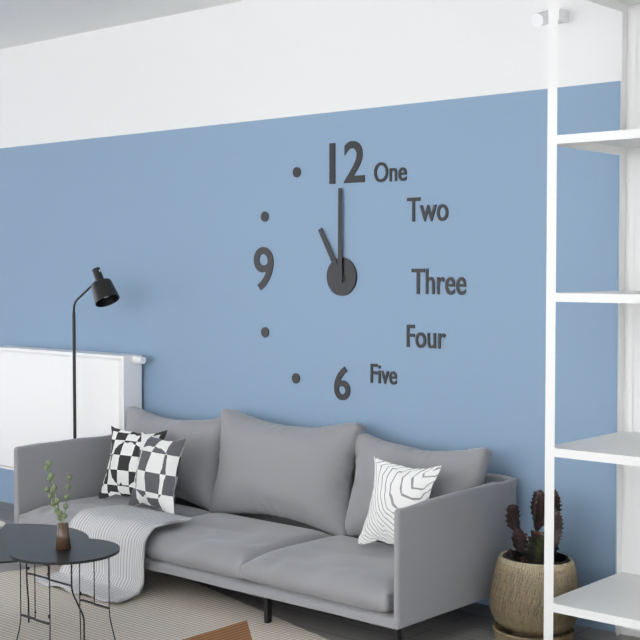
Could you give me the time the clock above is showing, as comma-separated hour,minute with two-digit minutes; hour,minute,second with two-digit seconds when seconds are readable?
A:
11,00
